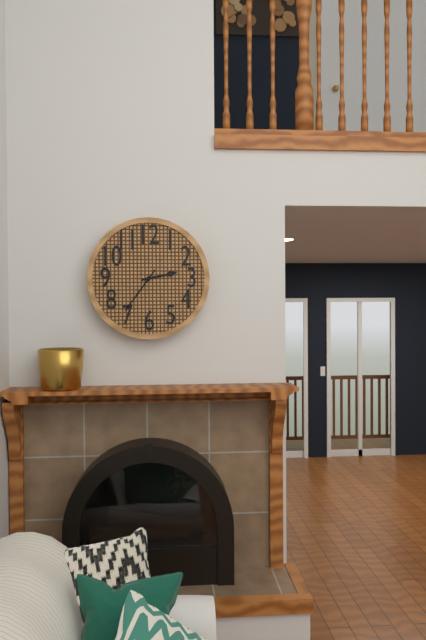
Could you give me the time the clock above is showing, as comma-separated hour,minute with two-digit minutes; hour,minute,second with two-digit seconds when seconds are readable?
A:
2,36
